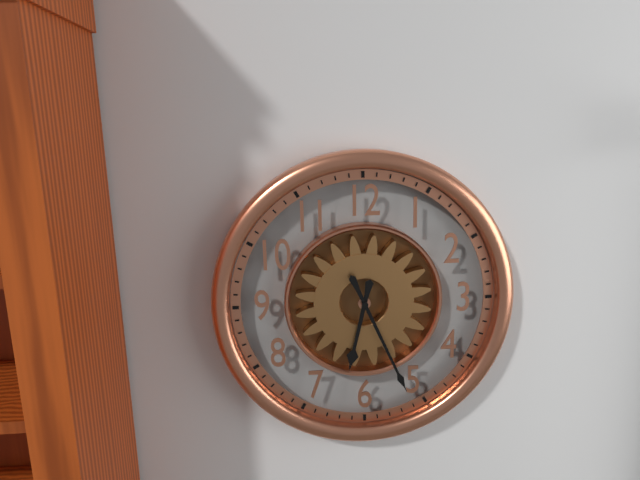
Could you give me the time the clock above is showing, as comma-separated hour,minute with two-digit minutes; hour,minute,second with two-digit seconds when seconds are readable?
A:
6,26
